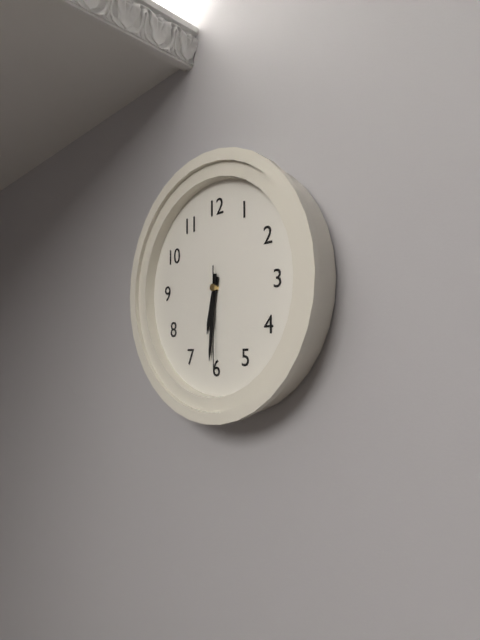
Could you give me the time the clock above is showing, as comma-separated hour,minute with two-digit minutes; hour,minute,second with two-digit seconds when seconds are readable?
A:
6,31,30
